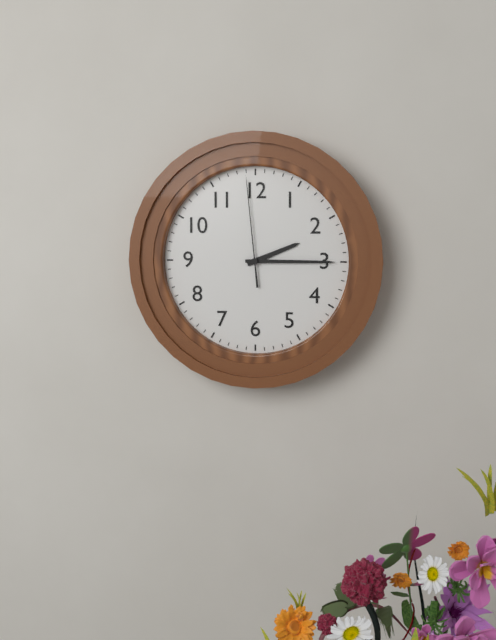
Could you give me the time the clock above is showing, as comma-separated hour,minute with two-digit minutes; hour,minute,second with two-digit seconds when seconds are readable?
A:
2,15,59
